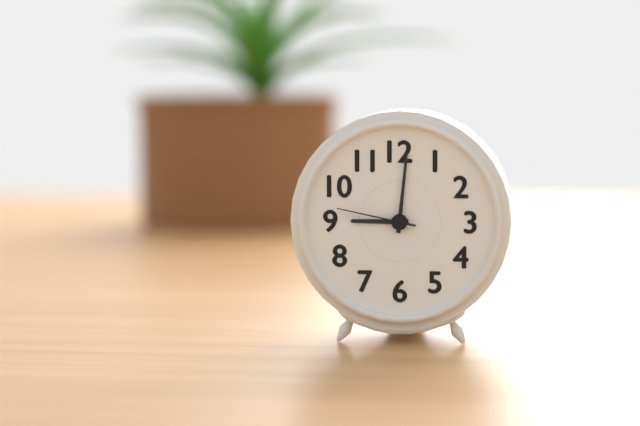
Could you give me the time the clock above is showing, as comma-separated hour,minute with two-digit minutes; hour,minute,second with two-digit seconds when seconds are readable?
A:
9,01,47
